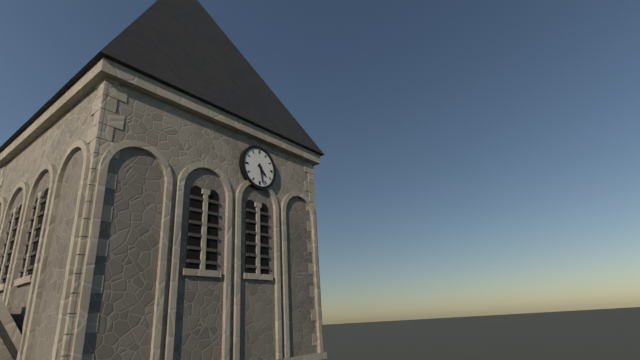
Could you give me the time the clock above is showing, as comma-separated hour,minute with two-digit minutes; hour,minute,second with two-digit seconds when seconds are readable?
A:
4,28
